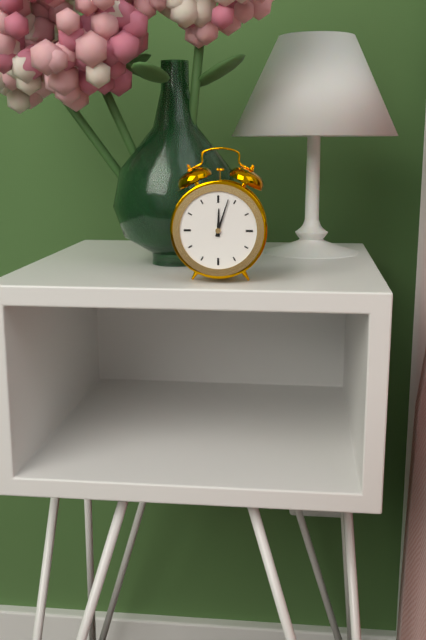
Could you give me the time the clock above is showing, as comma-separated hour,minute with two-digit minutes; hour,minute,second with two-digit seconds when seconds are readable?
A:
12,03
